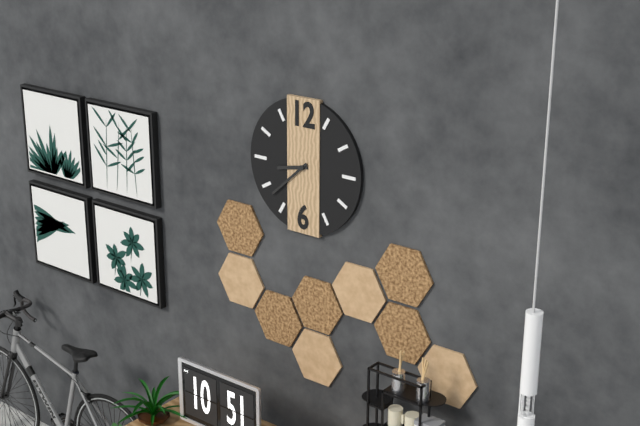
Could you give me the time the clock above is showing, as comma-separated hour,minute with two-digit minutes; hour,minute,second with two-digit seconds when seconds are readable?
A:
8,38
